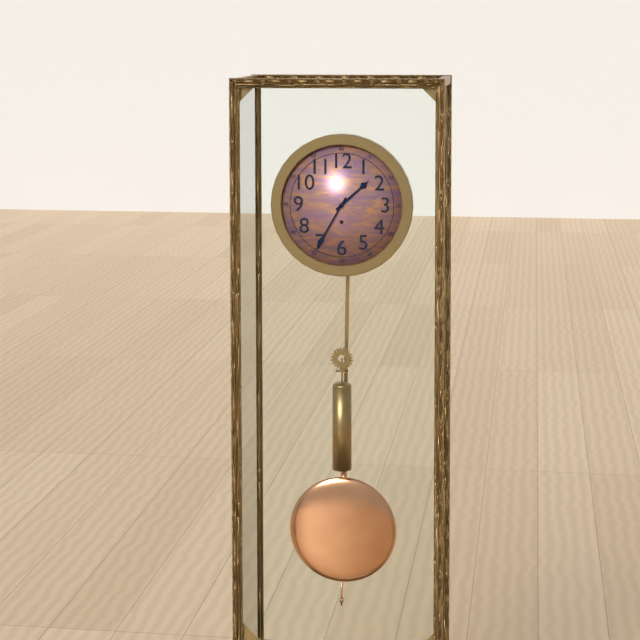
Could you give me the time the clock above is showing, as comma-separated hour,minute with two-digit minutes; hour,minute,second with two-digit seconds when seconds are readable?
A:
1,35
